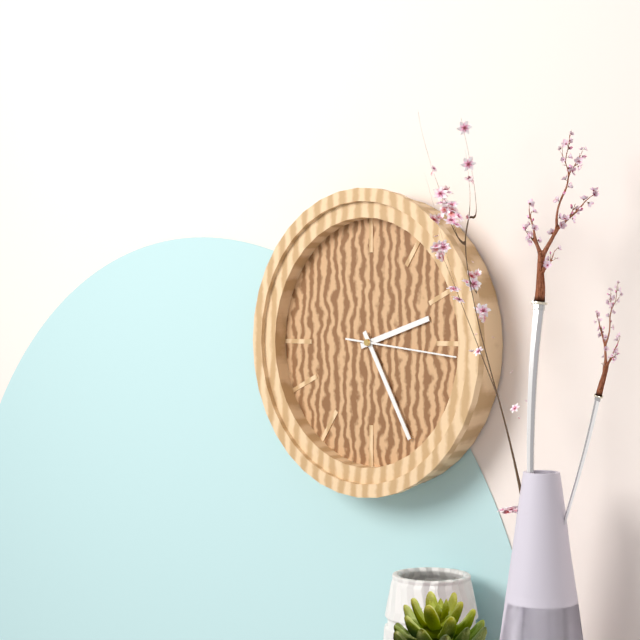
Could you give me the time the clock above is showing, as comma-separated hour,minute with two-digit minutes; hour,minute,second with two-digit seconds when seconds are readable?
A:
2,25,16
